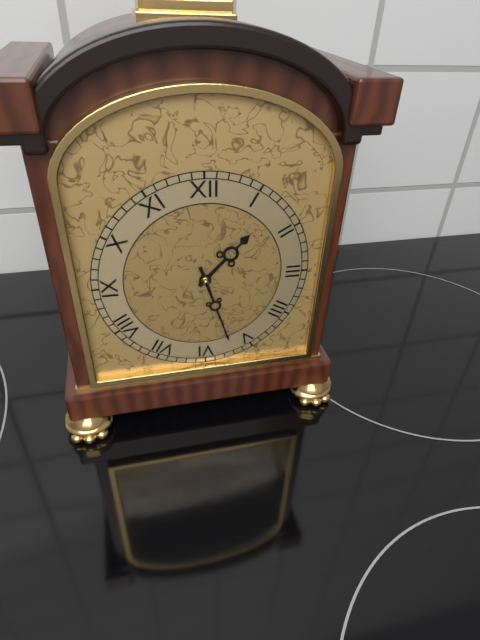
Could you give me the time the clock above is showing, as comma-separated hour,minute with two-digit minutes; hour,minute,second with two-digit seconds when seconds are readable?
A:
1,27
